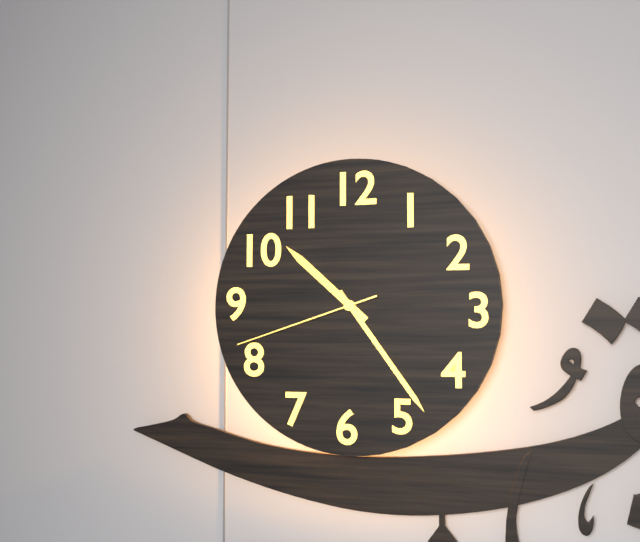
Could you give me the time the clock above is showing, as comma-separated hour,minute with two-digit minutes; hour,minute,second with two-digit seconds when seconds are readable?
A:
10,24,42
